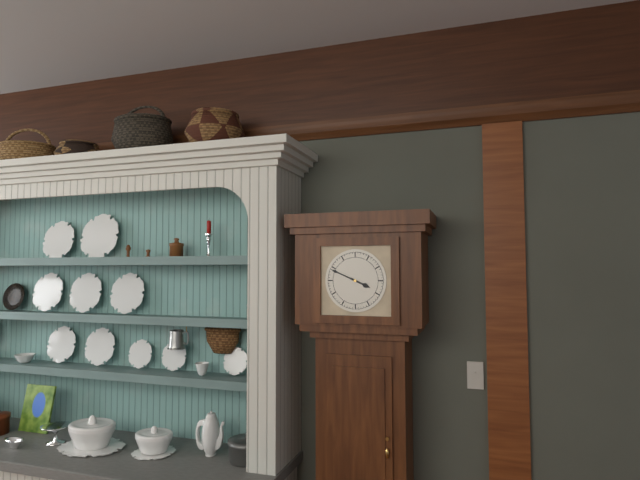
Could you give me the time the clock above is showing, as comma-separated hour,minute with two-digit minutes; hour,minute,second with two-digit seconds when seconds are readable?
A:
3,49
